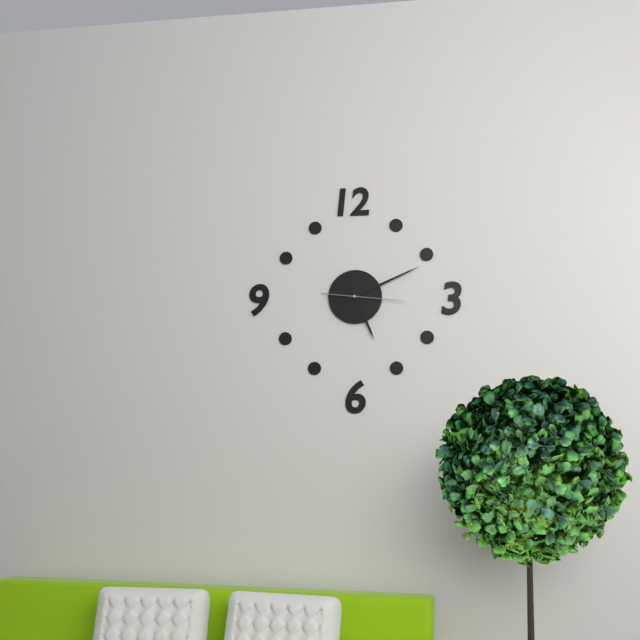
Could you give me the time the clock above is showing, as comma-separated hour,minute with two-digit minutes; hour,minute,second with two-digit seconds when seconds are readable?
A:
5,11,16
